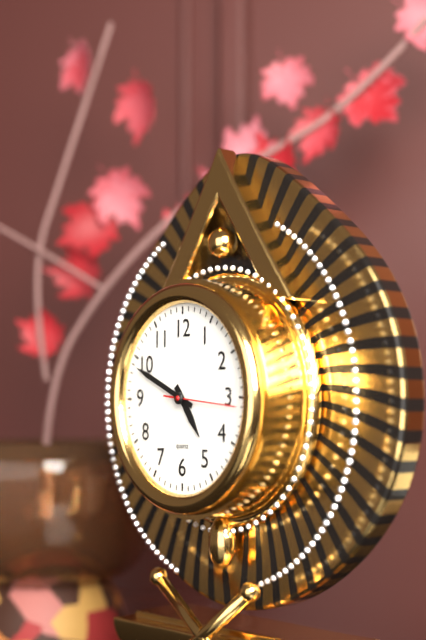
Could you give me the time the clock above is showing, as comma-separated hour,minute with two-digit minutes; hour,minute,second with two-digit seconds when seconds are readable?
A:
4,49,16
